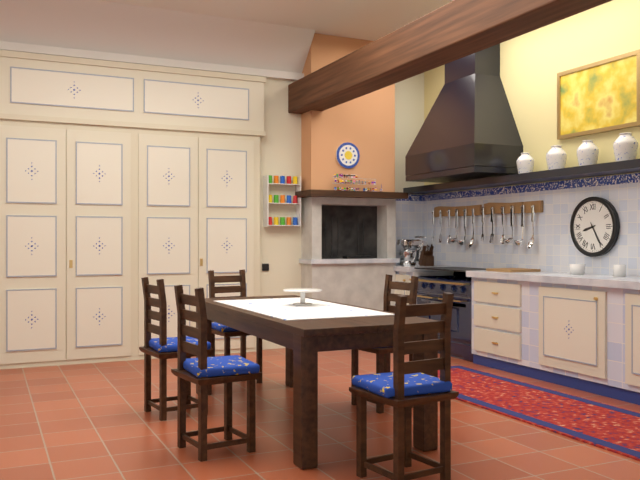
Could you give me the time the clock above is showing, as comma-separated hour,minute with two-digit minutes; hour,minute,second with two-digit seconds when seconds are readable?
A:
8,25
